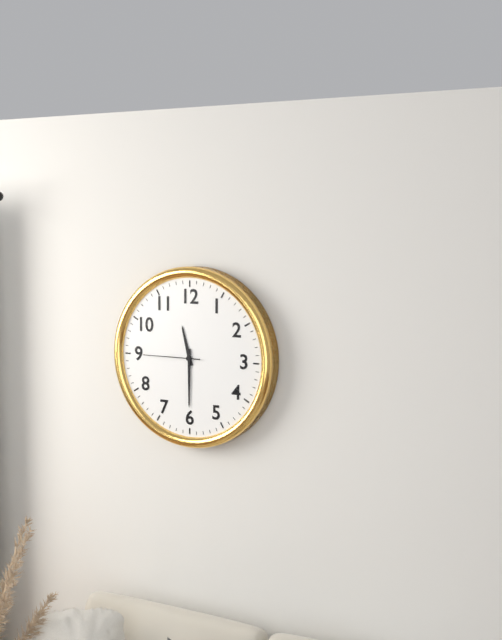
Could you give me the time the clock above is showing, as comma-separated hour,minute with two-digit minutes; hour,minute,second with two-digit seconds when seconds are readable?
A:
11,30,45
